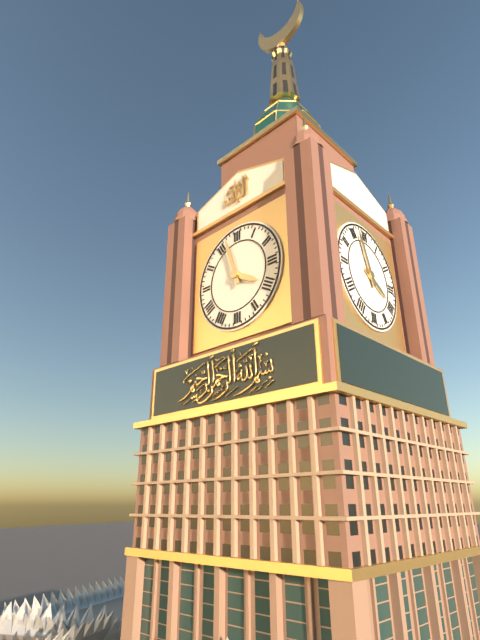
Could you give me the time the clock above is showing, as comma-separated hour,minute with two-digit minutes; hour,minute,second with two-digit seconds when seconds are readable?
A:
3,57
